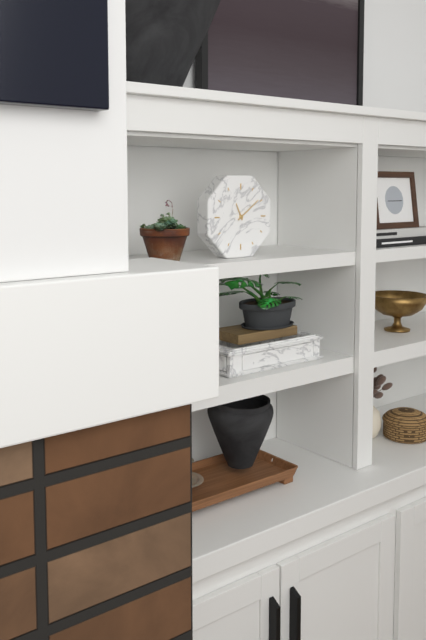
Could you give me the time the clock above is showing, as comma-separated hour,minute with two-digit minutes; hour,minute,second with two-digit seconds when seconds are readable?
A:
11,09
